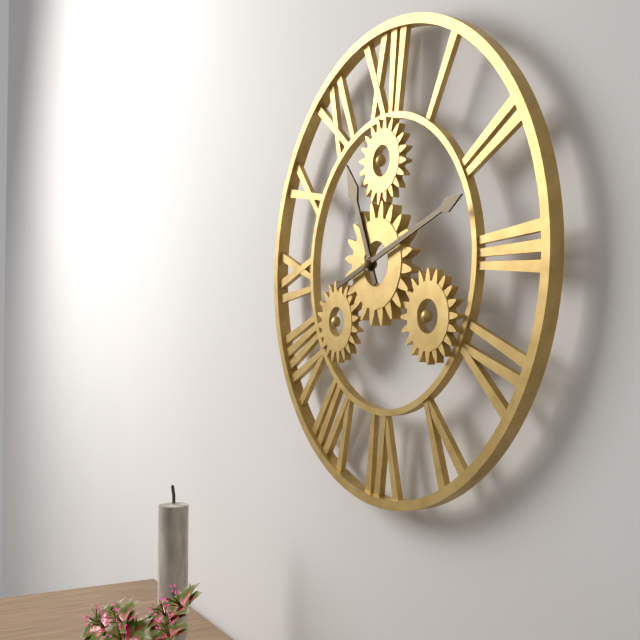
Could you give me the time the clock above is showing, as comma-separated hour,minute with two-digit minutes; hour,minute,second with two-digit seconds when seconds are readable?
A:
11,12
